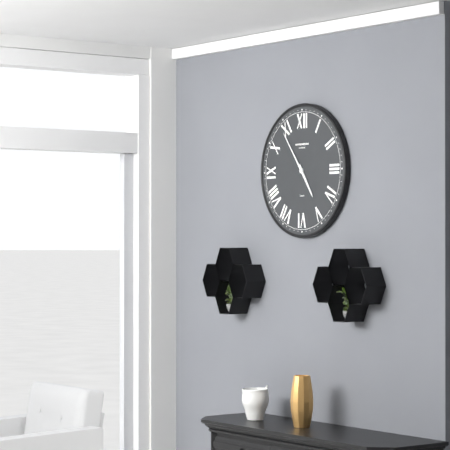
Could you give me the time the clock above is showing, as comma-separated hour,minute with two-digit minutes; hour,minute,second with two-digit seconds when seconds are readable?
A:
4,54
